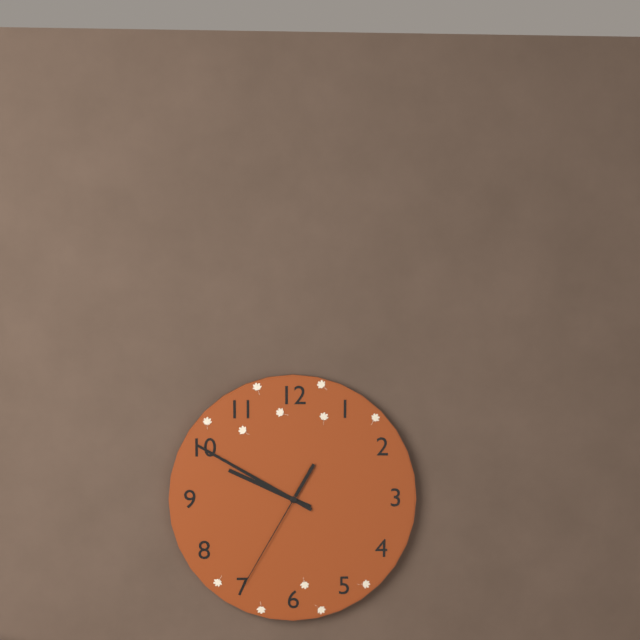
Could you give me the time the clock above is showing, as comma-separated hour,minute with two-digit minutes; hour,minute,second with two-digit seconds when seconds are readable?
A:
9,50,35
